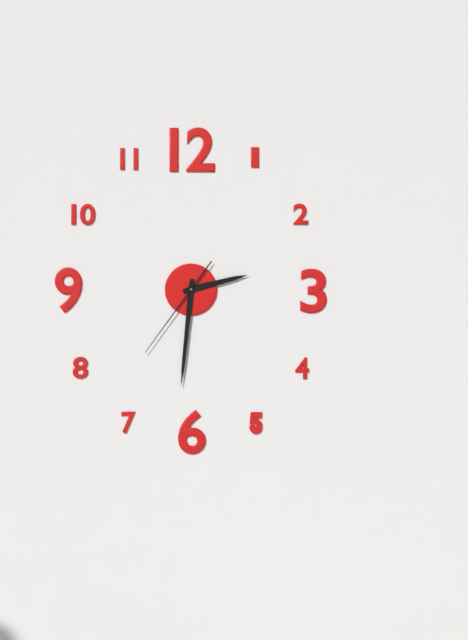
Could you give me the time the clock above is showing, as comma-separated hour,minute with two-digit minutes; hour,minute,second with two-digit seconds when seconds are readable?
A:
2,31,36
